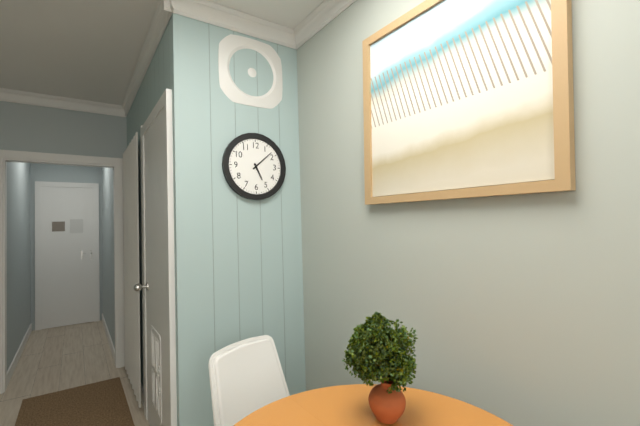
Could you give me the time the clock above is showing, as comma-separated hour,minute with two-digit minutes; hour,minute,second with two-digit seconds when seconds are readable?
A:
5,08
